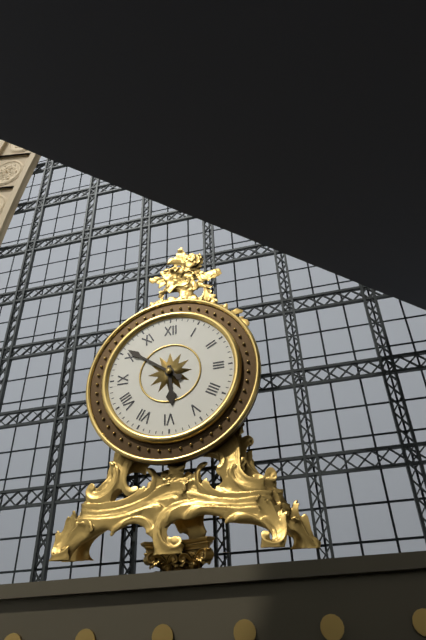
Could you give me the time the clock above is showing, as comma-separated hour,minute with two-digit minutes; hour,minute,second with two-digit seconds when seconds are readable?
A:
5,51
